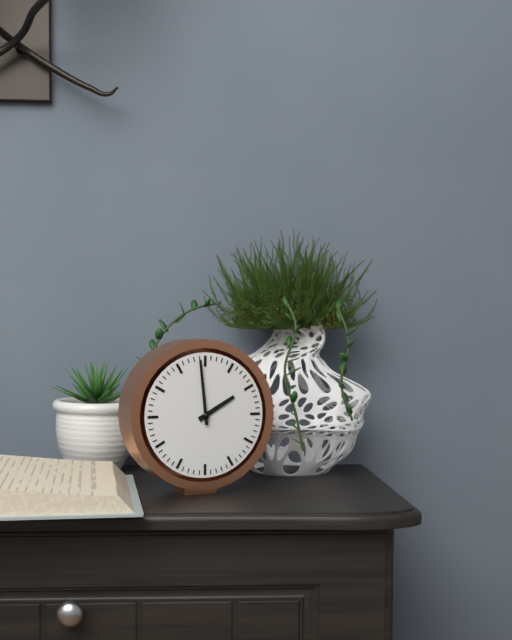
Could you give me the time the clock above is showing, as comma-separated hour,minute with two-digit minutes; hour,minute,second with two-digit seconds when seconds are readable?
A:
1,59
